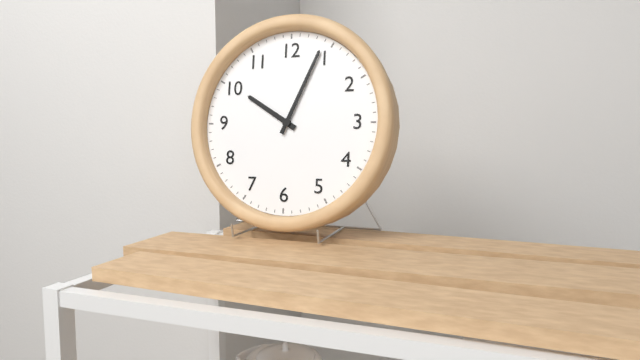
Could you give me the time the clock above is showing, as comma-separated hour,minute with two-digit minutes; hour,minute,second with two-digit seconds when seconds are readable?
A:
10,04
